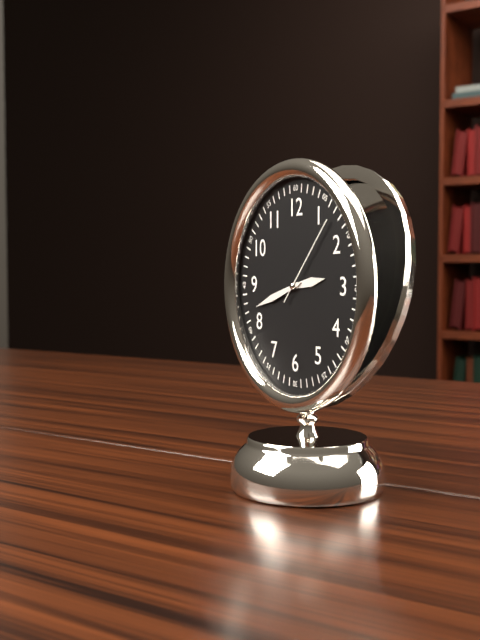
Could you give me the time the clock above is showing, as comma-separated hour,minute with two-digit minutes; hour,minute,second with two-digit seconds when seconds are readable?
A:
2,42,07
